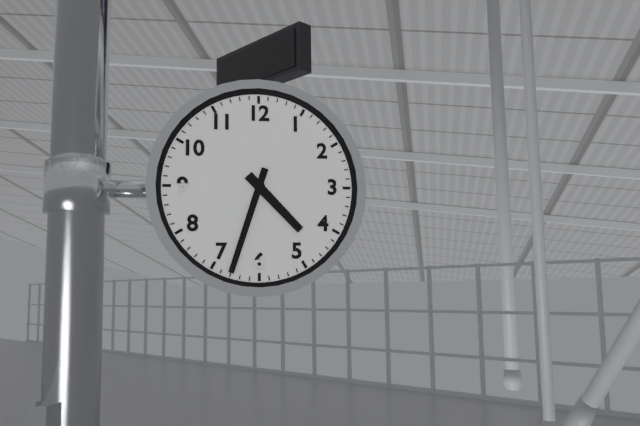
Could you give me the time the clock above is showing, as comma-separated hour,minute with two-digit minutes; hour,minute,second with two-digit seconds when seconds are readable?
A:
4,33
